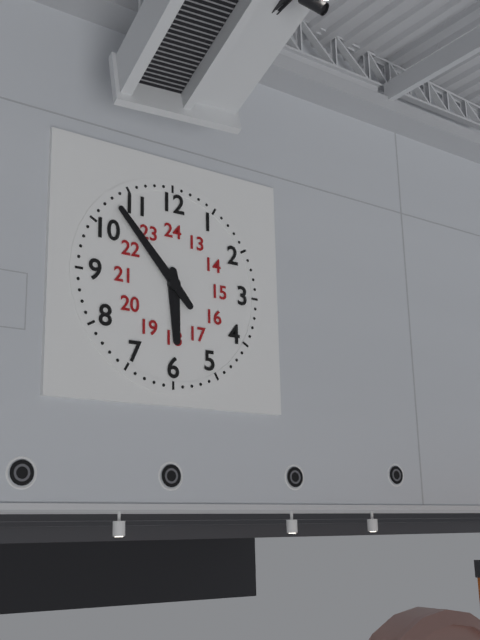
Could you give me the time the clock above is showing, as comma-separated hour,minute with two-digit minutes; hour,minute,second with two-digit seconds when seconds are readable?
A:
5,53
